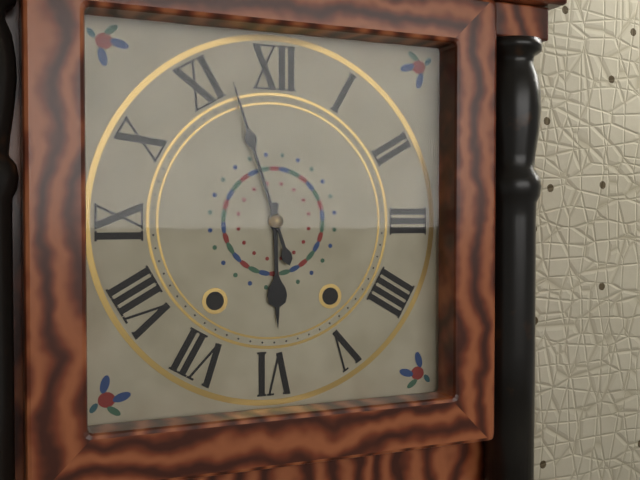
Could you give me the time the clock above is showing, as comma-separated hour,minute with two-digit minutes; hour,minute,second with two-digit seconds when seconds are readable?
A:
5,57
